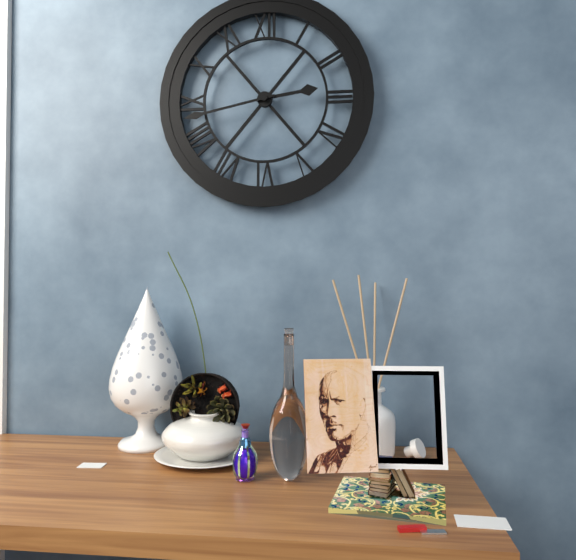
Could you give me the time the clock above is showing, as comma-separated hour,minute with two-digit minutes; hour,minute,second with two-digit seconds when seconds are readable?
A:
2,43
